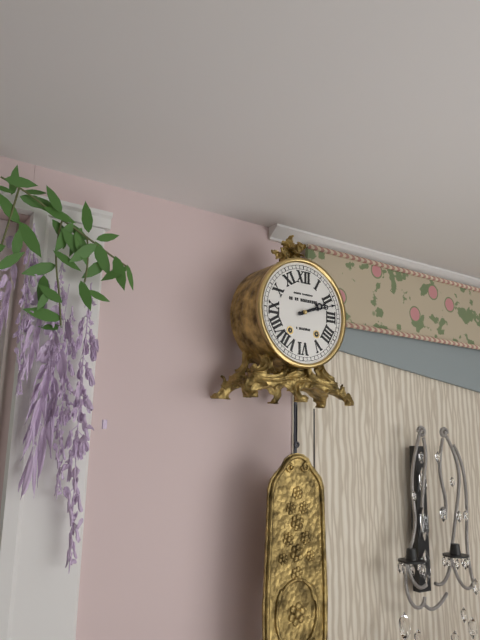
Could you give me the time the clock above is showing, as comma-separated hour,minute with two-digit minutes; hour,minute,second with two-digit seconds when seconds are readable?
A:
2,12
